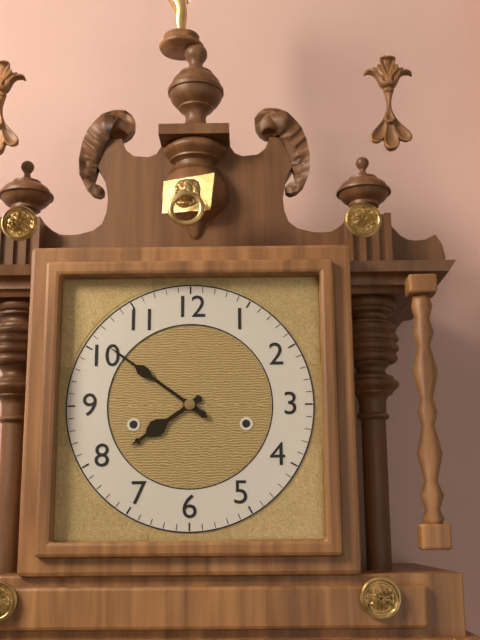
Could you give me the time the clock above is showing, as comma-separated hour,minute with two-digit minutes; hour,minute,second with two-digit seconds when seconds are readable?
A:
7,51
